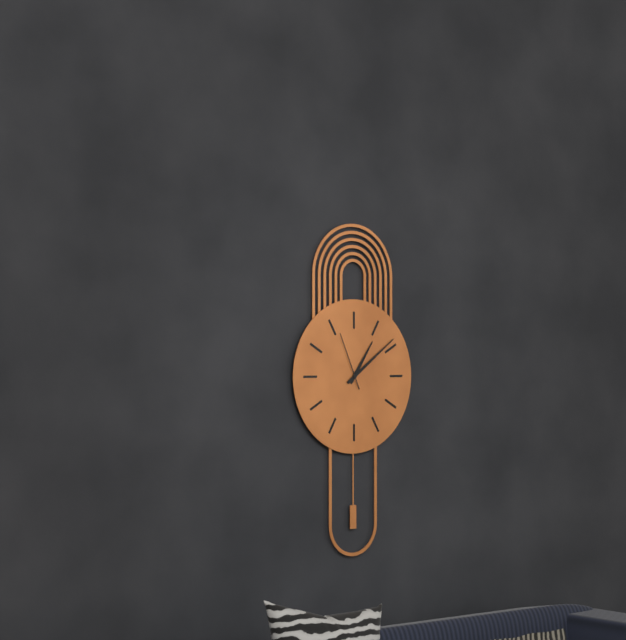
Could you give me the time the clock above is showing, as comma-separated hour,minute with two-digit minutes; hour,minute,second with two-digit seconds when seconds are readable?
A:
1,09,56
